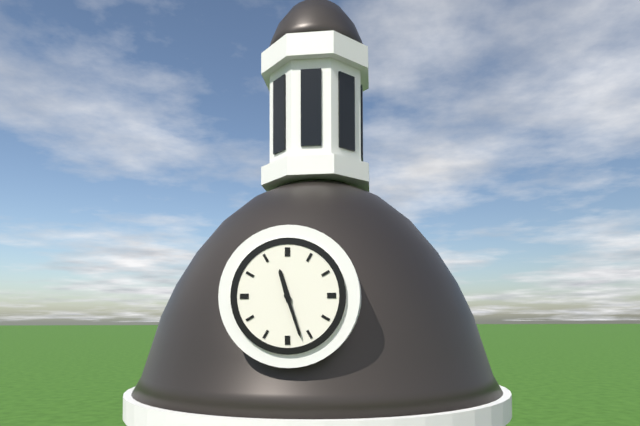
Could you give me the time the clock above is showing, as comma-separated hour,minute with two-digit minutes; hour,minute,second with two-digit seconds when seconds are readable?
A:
11,27
